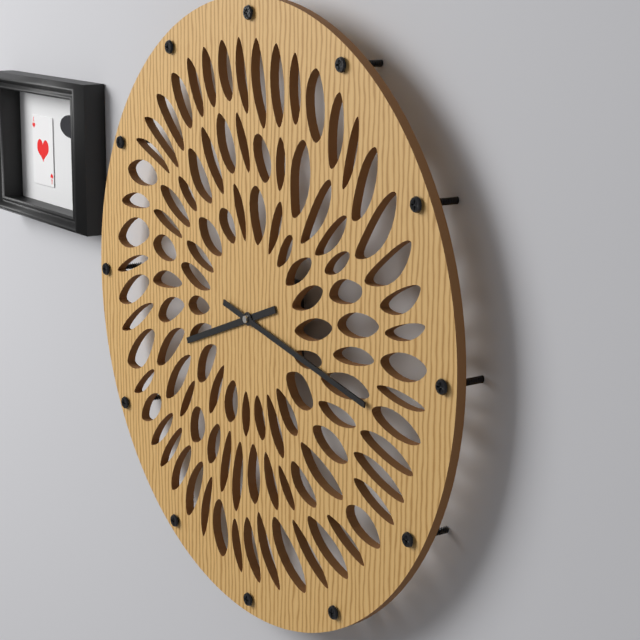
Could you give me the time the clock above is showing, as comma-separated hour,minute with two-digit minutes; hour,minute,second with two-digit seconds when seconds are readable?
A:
8,17
